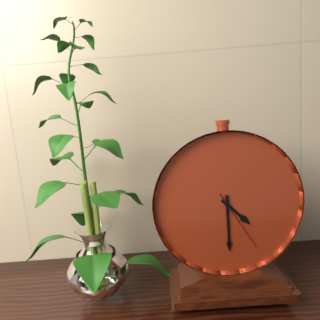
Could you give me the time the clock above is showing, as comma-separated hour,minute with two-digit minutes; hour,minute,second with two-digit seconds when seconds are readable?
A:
4,30,25
